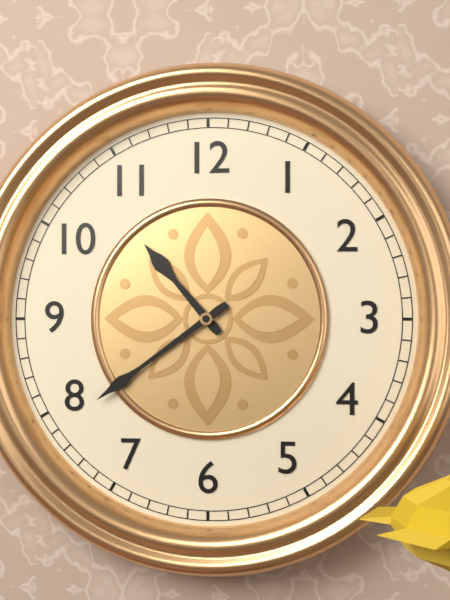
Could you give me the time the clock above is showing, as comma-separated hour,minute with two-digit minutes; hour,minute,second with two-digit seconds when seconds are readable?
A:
10,39
